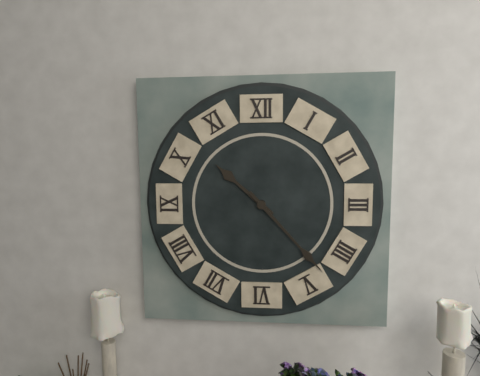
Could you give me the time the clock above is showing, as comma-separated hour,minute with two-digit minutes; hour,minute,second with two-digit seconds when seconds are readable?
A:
10,23
